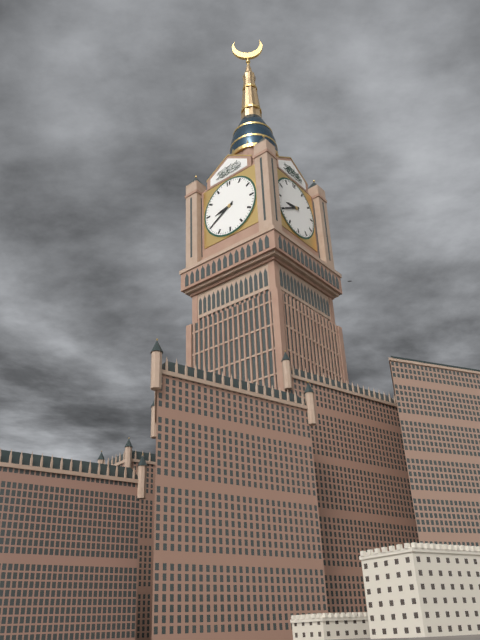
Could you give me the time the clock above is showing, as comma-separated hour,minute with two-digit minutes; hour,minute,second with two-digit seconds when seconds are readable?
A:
8,40
